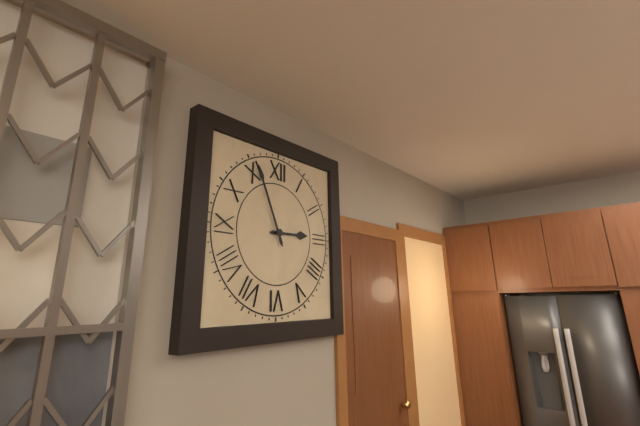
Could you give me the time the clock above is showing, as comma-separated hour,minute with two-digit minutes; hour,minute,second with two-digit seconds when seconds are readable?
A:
2,56
